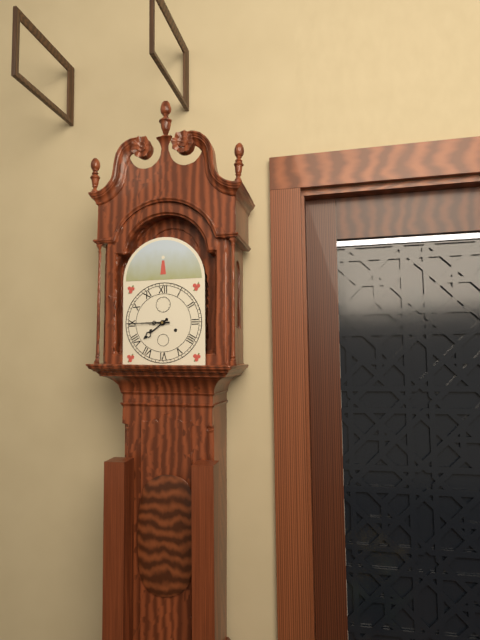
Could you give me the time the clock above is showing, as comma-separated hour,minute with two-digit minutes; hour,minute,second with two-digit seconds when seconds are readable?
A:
7,45
